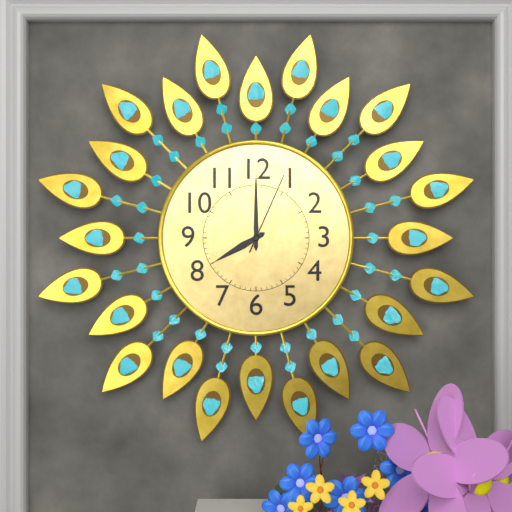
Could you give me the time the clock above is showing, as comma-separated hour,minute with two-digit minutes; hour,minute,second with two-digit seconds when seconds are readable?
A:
8,00,04
